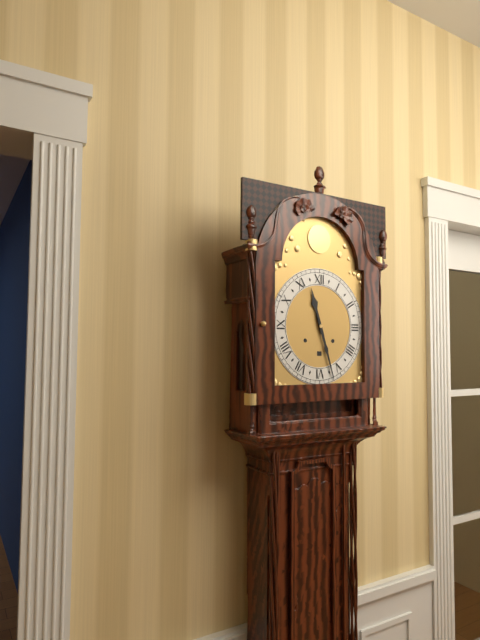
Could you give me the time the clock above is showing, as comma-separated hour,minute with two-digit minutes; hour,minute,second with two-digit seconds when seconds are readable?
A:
11,27
